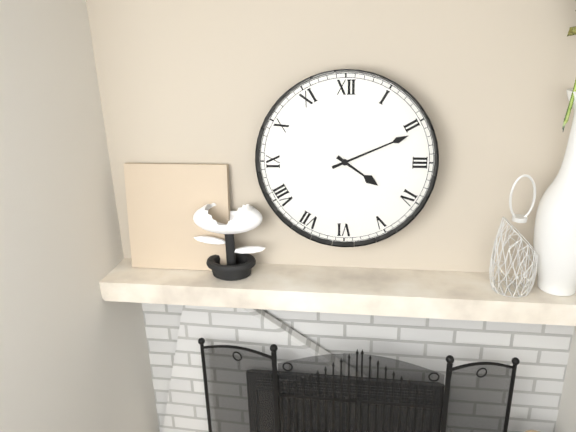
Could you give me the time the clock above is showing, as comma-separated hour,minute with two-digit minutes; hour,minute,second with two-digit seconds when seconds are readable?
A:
4,11
